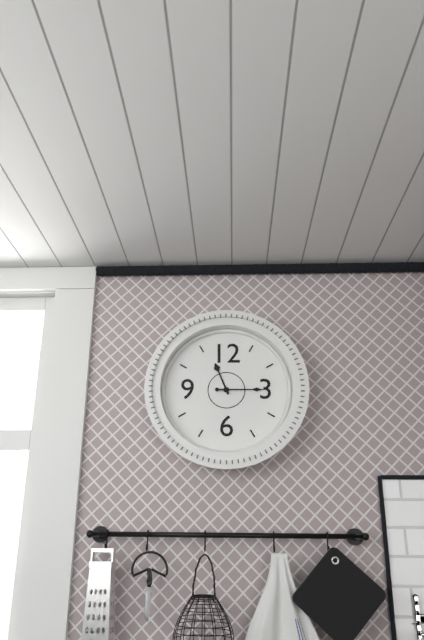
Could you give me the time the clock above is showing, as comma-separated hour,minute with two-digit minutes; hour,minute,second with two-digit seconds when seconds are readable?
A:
11,15
